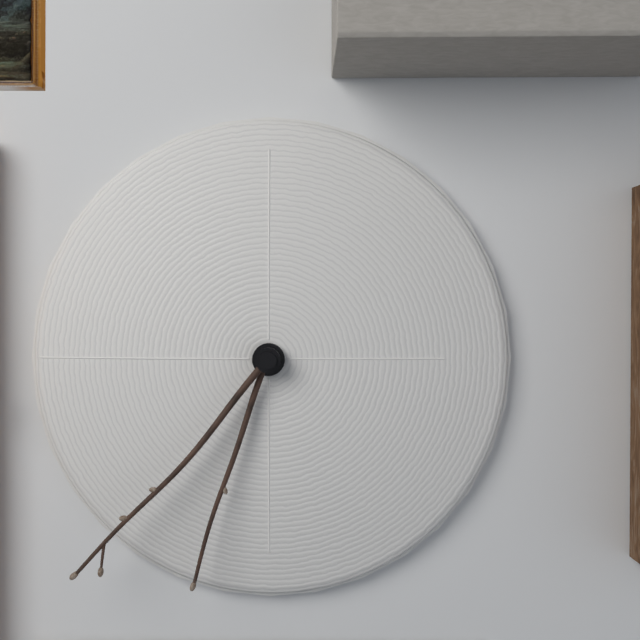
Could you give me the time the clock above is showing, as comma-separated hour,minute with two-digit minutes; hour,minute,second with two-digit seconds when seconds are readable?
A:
6,37
